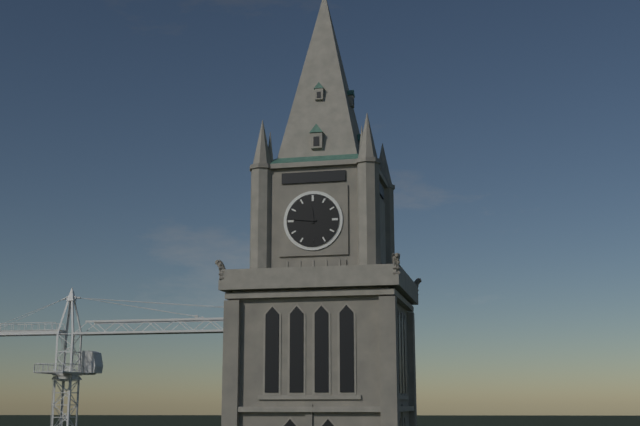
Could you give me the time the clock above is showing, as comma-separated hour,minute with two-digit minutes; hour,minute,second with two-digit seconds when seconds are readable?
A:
11,46
